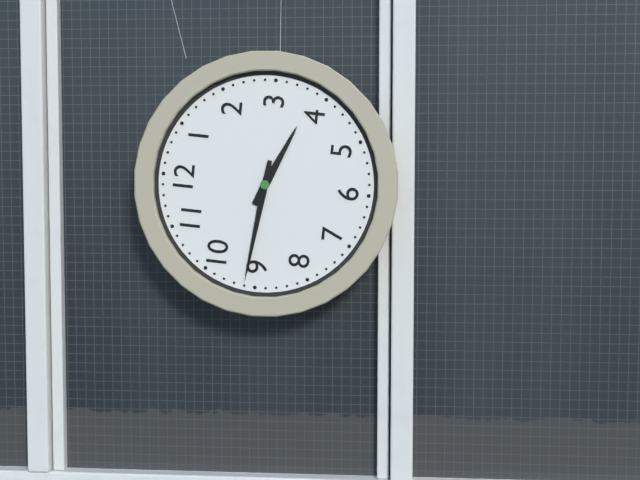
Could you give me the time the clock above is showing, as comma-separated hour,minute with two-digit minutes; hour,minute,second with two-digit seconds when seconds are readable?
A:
3,46
